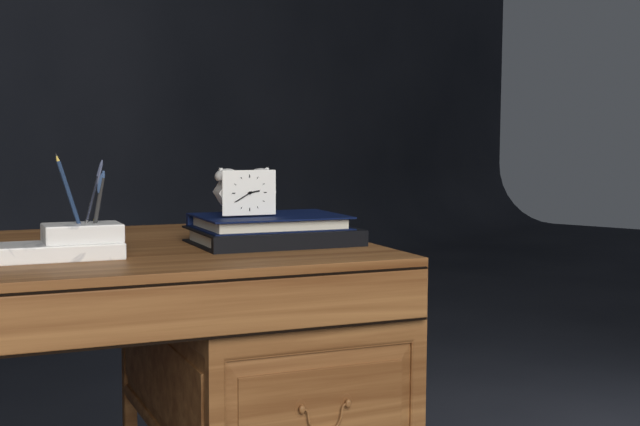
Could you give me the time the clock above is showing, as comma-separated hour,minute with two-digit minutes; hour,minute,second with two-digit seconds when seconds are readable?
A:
2,40
